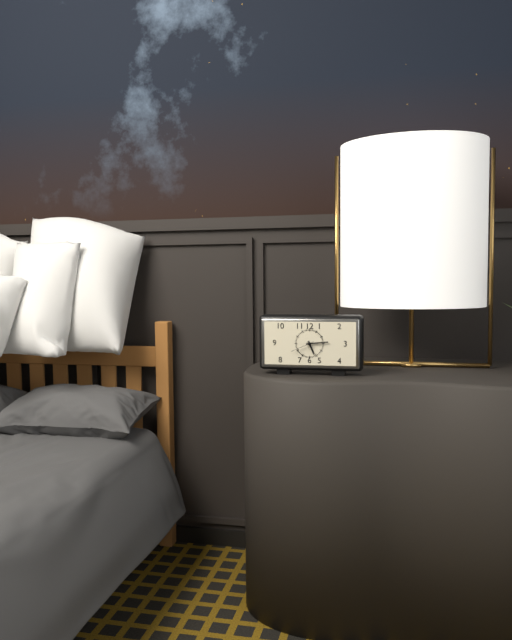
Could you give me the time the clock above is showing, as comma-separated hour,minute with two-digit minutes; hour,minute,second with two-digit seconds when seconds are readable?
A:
5,14
